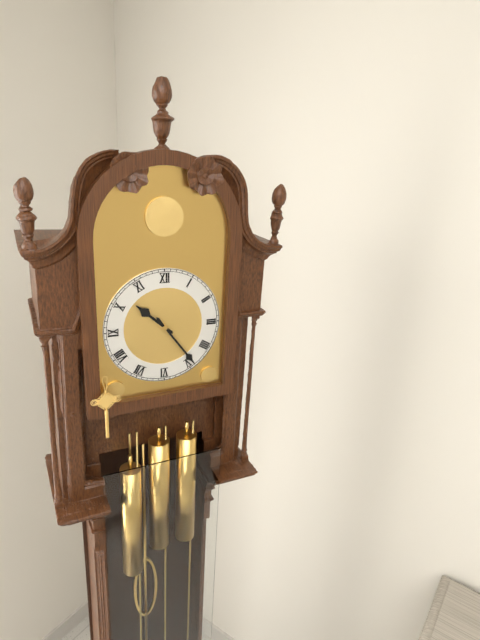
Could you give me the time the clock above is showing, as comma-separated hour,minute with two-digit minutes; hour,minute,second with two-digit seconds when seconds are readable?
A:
10,24
